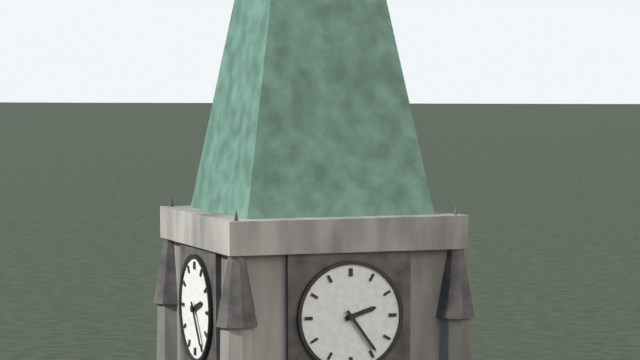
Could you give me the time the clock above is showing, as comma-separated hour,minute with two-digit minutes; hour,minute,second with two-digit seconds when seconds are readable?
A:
2,24
